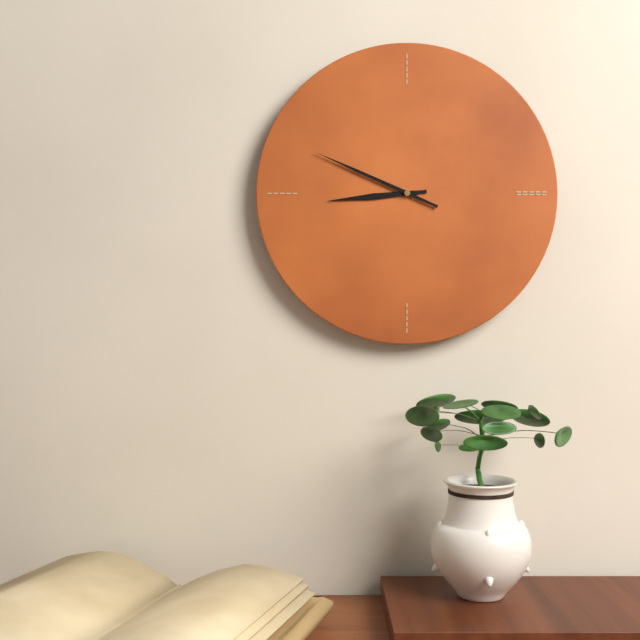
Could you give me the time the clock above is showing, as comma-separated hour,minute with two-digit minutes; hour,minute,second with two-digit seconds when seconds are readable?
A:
8,49
